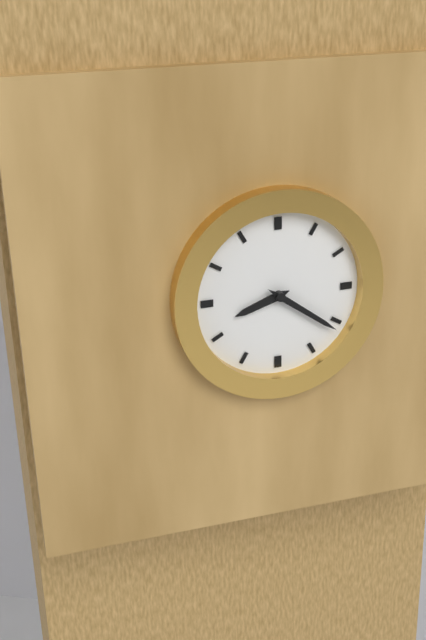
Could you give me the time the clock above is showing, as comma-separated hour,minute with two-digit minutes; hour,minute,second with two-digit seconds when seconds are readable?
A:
8,21
